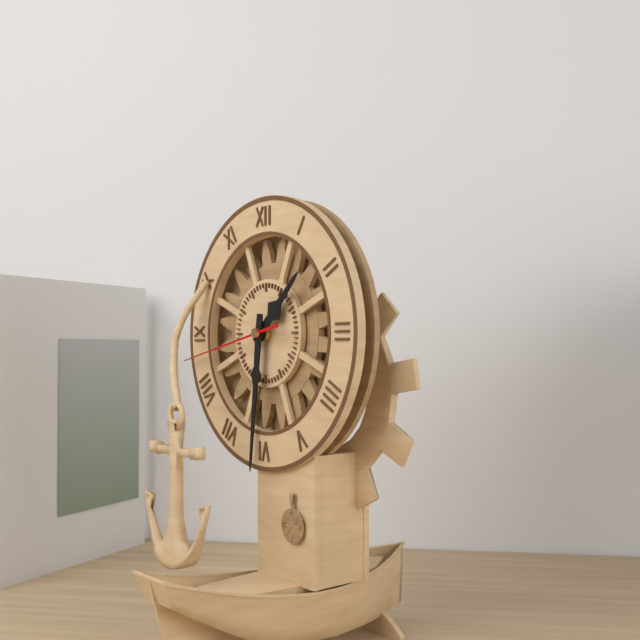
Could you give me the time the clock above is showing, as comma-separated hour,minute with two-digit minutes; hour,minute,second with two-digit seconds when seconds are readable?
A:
1,31,43
